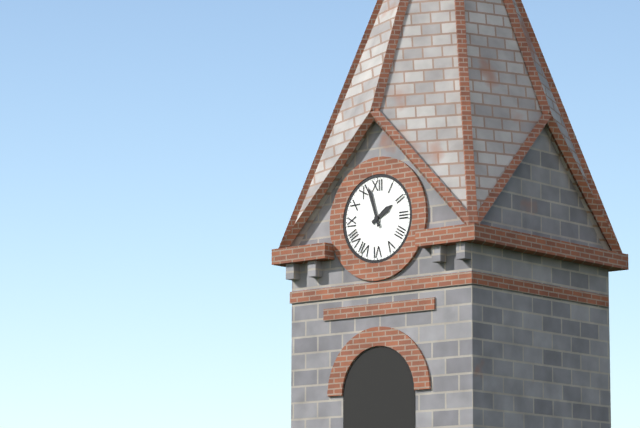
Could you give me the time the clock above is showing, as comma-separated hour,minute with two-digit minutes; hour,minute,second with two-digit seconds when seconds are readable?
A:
1,57
